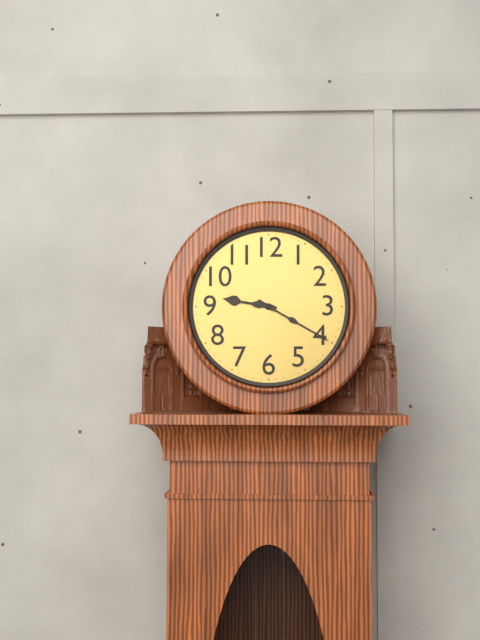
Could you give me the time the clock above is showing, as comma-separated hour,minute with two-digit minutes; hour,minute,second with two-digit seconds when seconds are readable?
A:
9,20
